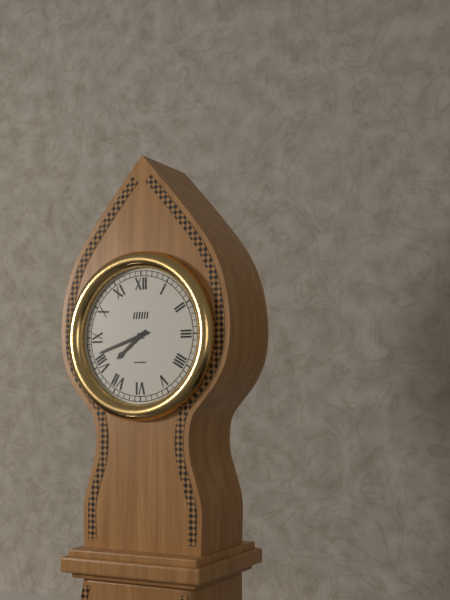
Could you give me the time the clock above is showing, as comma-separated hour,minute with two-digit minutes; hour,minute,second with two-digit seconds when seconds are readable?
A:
7,42
